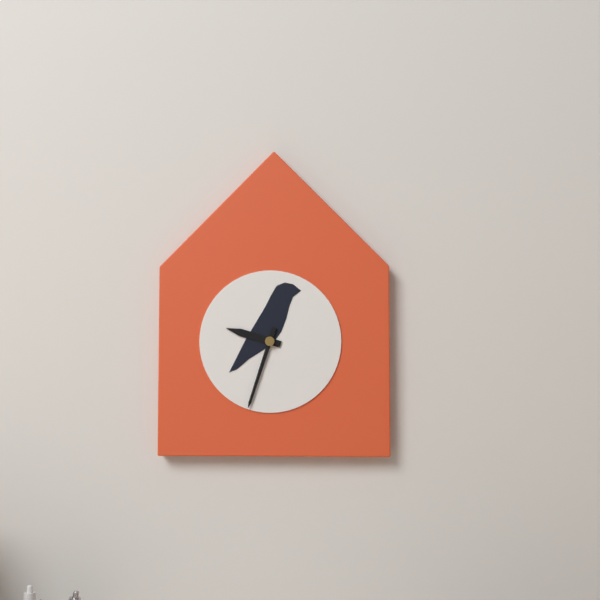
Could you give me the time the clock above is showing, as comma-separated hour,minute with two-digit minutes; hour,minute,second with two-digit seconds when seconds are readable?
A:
9,33
